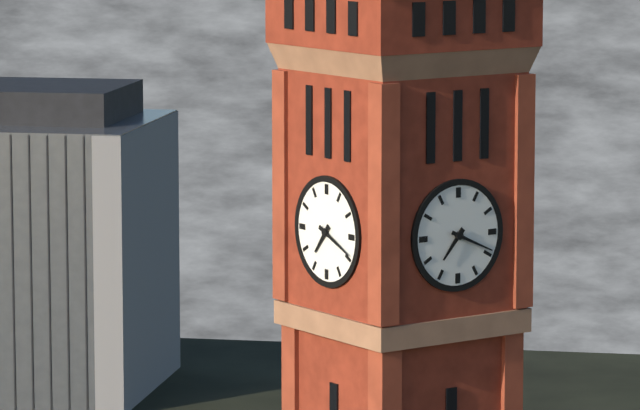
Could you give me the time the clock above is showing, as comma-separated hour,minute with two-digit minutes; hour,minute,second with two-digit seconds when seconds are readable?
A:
7,19
